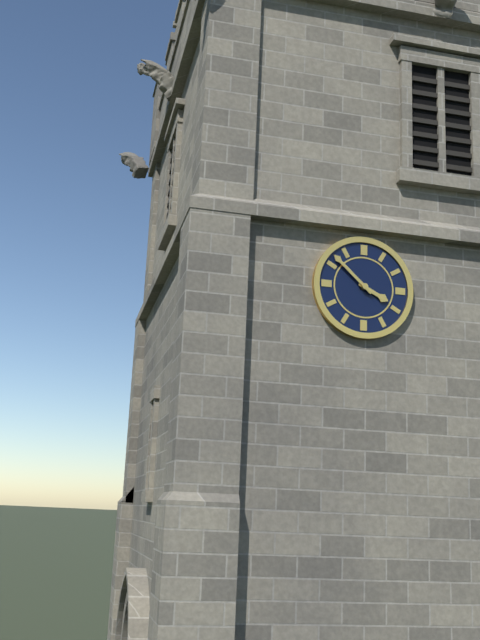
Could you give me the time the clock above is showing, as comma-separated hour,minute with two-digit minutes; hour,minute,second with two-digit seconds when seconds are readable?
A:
3,52
